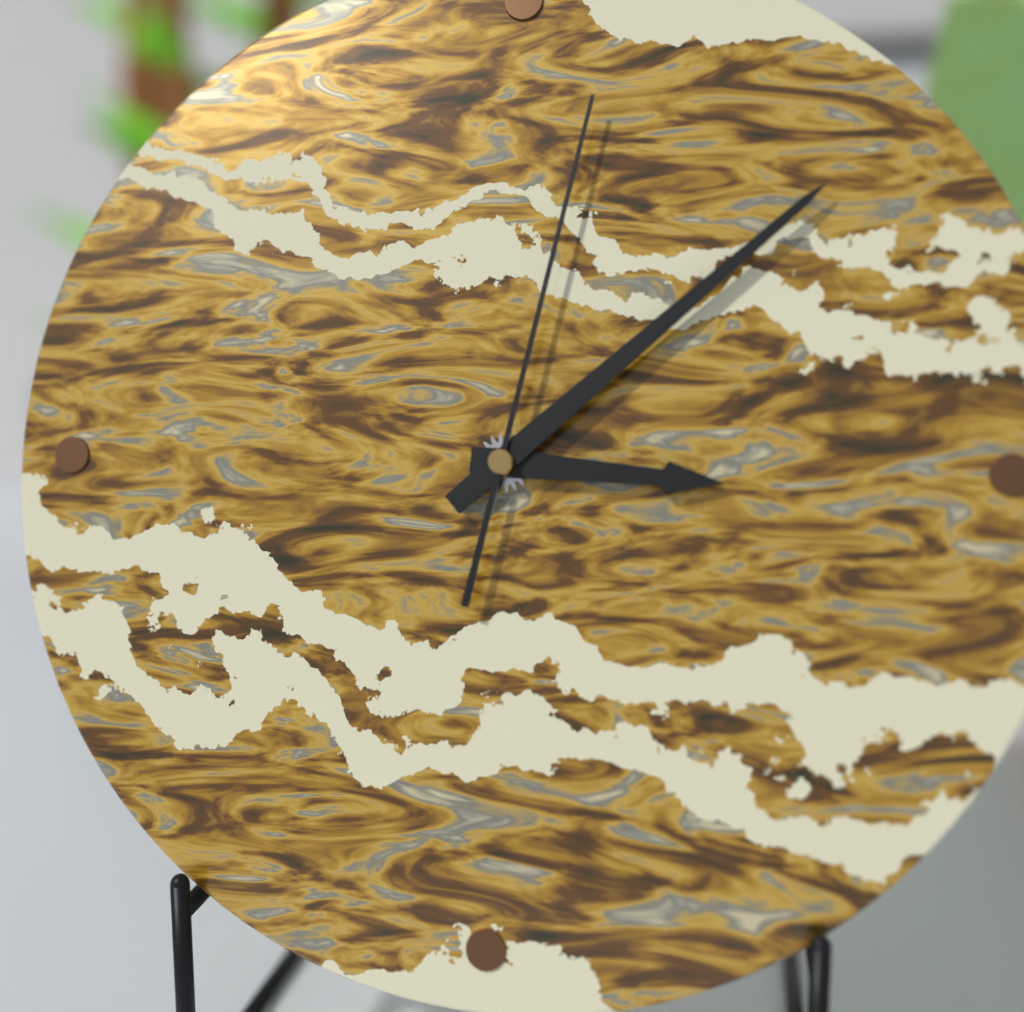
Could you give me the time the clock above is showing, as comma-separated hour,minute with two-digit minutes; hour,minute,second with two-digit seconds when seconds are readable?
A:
3,08,02
